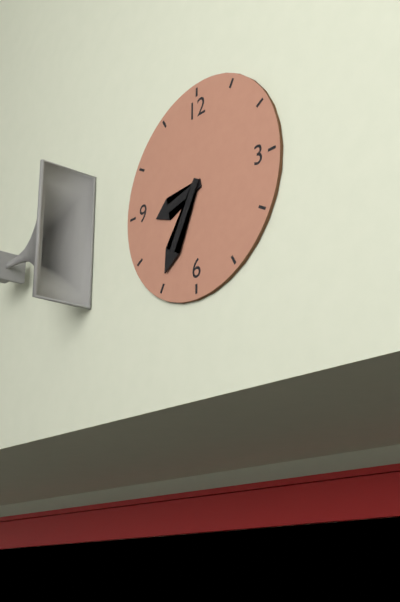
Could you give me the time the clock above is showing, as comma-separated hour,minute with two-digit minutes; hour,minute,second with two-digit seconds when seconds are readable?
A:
8,35
